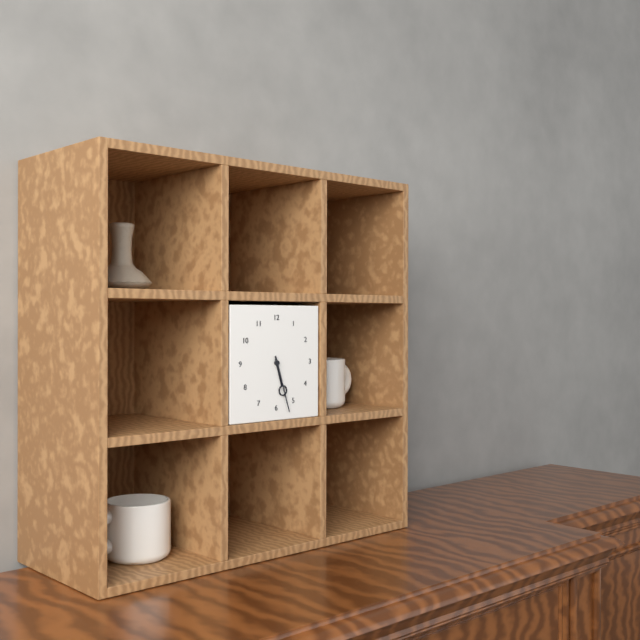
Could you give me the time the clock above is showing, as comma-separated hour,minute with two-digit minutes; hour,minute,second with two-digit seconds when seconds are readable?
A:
5,27
